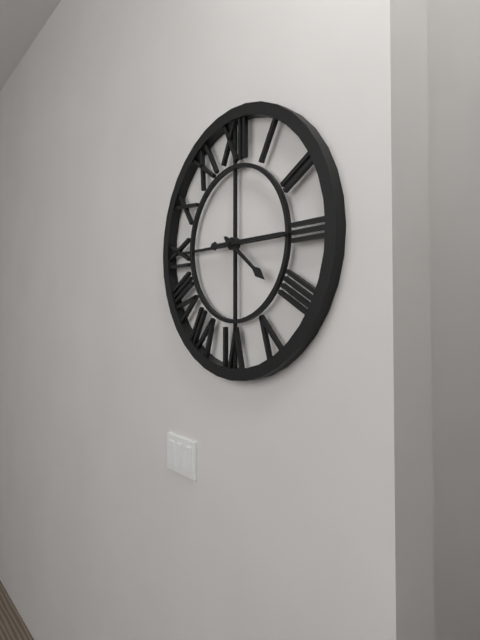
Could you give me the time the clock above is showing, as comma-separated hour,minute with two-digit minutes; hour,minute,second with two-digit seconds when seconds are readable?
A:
4,15
